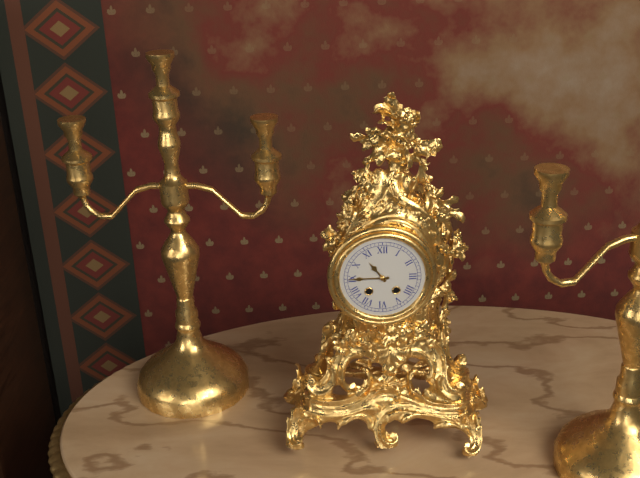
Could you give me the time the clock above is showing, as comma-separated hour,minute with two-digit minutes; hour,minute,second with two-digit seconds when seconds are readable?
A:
10,45
